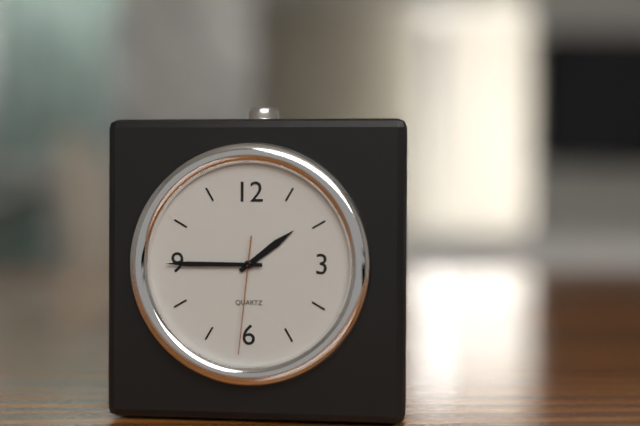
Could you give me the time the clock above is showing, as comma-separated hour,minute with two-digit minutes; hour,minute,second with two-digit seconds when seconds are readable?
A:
1,45,31
